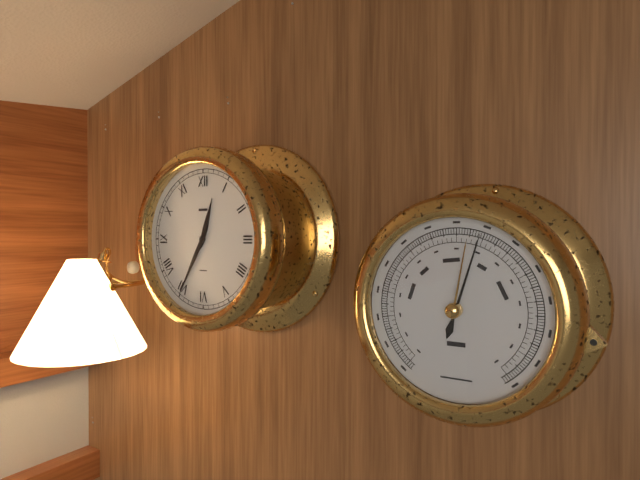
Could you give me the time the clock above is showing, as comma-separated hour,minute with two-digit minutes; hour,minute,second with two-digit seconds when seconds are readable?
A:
12,35
